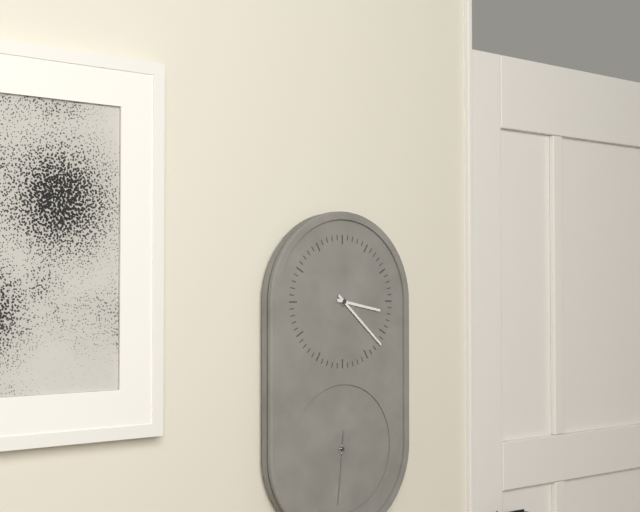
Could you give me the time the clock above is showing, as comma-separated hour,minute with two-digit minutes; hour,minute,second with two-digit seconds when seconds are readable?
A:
3,22,31
